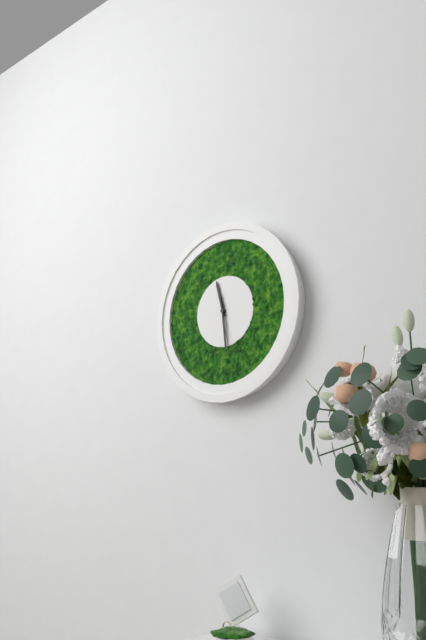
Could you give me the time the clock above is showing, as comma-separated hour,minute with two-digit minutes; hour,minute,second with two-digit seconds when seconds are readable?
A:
11,29
